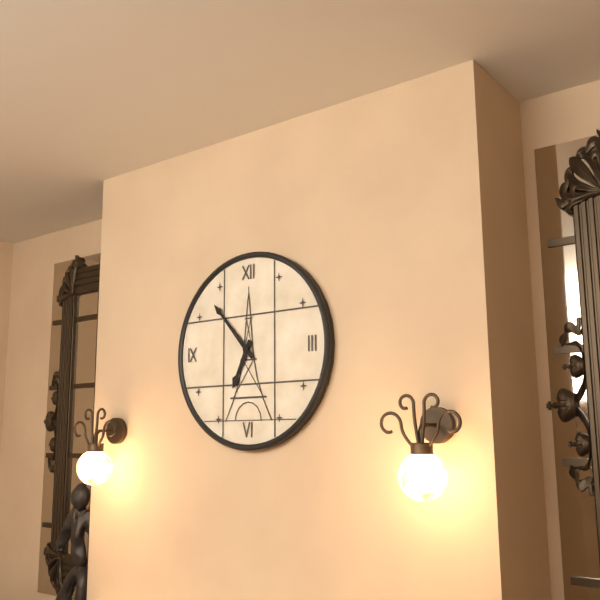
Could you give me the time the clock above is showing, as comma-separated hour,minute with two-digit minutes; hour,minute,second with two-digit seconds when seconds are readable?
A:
6,53
